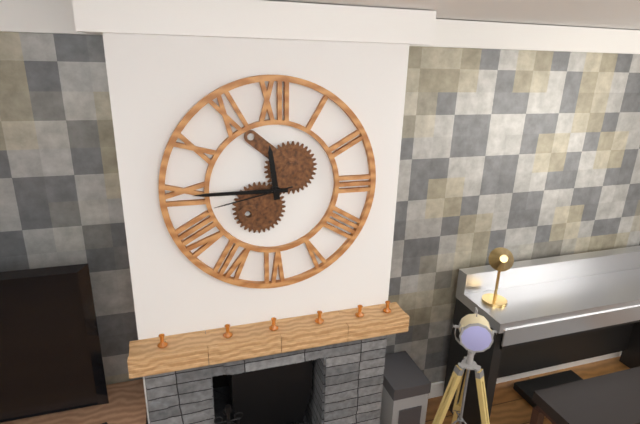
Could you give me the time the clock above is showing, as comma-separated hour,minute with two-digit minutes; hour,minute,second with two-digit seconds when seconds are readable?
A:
11,45,43
